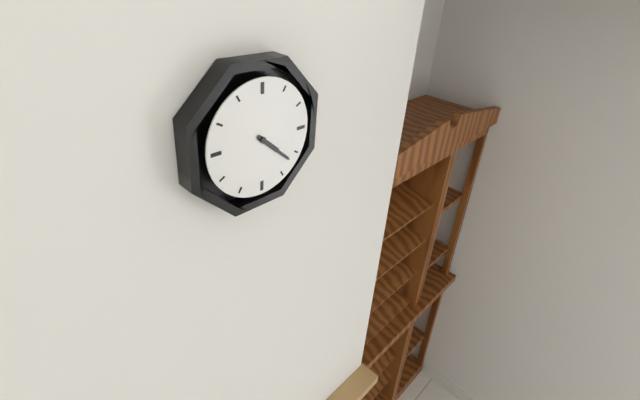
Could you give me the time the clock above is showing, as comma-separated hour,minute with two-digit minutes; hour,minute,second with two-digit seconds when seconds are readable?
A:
4,22
